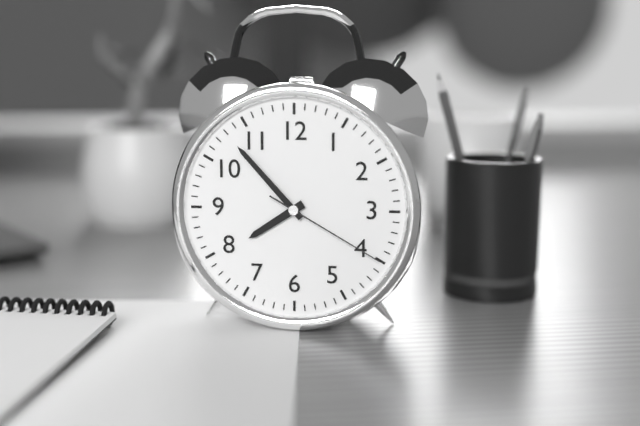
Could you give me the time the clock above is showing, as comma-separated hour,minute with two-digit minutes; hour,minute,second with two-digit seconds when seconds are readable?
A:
7,53,20
